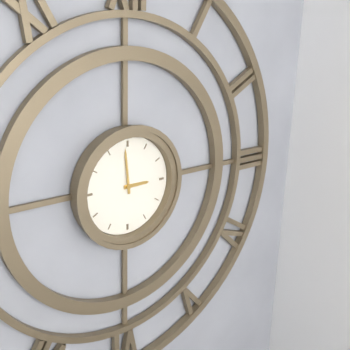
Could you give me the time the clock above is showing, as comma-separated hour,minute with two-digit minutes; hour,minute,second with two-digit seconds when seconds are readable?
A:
2,59
